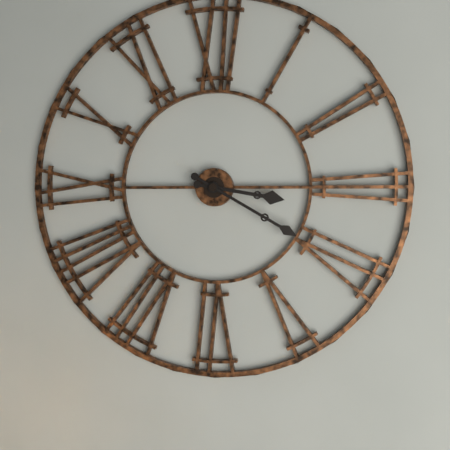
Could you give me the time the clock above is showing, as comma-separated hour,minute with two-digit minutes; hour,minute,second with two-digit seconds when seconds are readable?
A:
3,20
